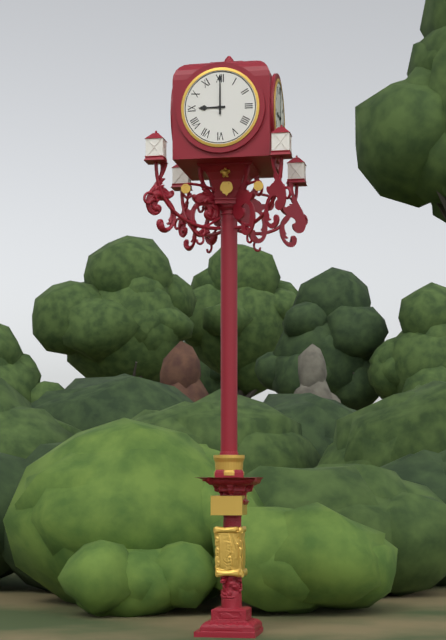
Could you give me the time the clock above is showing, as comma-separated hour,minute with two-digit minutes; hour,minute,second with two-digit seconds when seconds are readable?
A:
9,00
